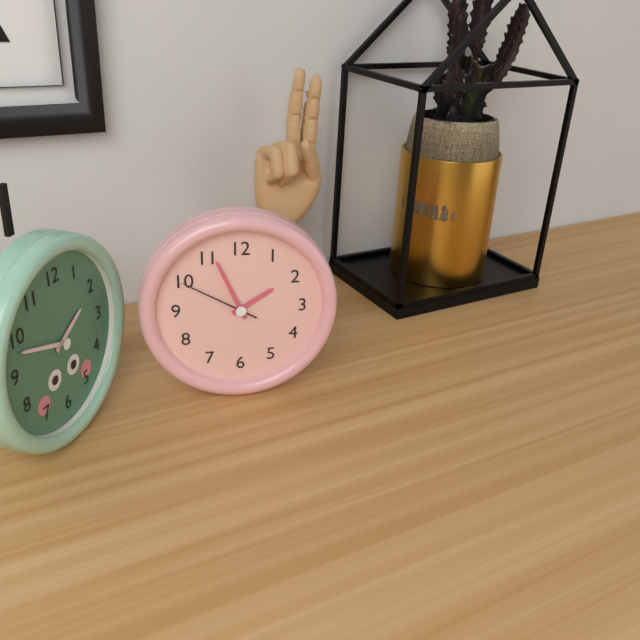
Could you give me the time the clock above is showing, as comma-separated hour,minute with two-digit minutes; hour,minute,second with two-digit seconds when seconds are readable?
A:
1,56,50
